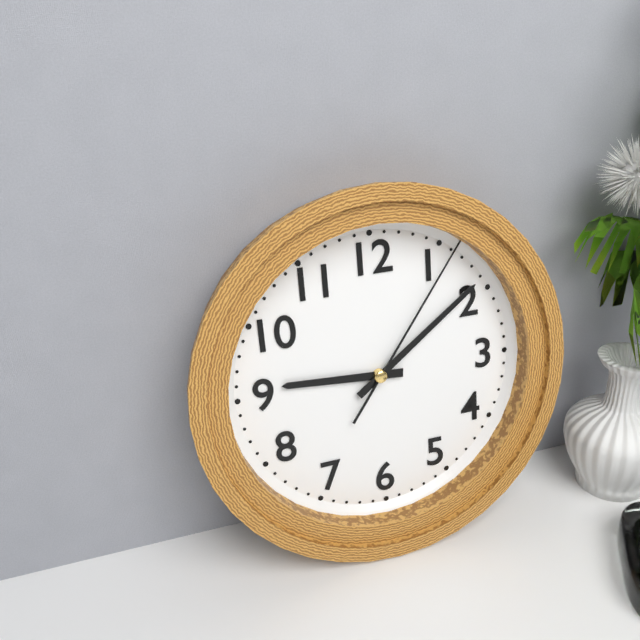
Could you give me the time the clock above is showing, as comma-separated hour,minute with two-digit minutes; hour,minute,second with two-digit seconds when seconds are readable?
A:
9,09,06
